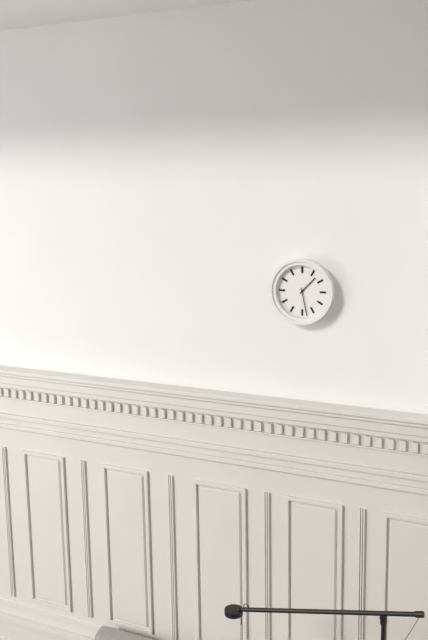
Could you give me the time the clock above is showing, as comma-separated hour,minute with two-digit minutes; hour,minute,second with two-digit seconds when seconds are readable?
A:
1,28
